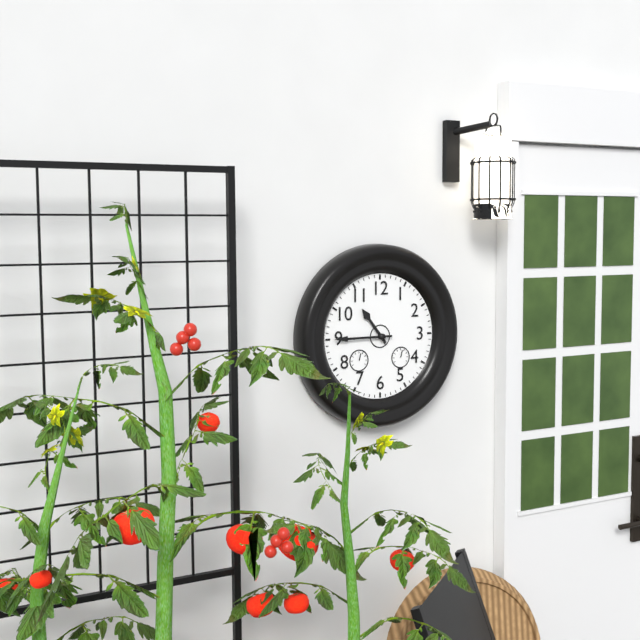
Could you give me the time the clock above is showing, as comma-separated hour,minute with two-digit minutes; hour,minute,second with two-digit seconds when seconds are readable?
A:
10,45
